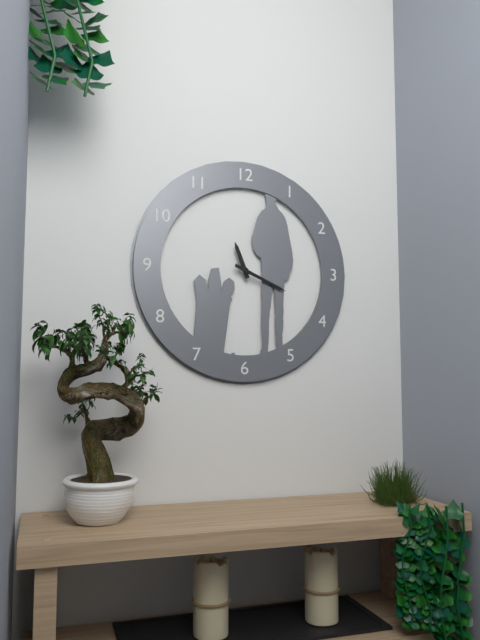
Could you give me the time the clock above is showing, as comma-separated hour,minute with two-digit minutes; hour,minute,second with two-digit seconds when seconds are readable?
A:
11,19
